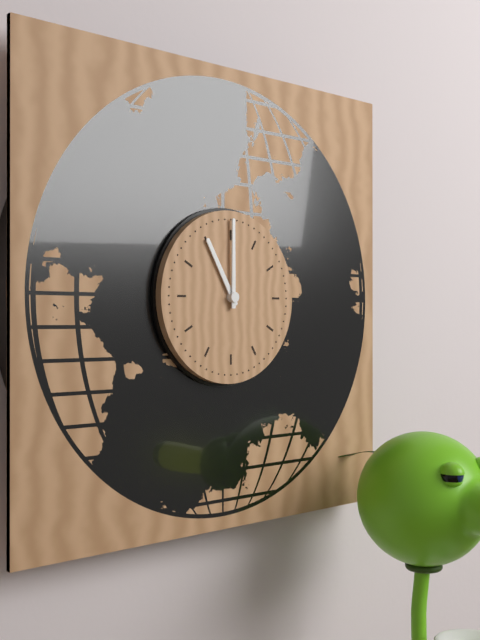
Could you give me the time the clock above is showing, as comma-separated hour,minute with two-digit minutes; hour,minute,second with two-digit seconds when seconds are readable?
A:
11,00
